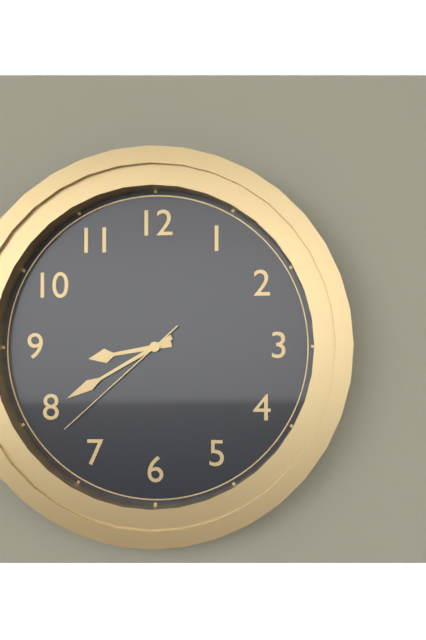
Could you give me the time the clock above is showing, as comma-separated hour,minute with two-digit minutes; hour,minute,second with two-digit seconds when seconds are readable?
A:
8,40,38
